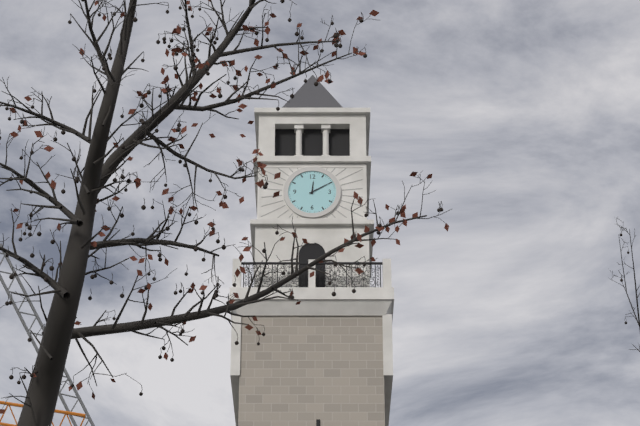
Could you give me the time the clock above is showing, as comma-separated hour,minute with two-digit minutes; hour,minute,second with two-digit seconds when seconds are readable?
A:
12,10
